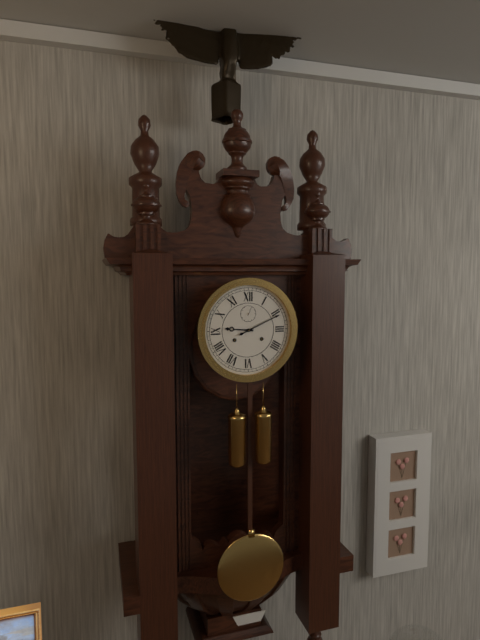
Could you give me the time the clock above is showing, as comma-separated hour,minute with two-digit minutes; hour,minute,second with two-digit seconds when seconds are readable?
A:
9,11
